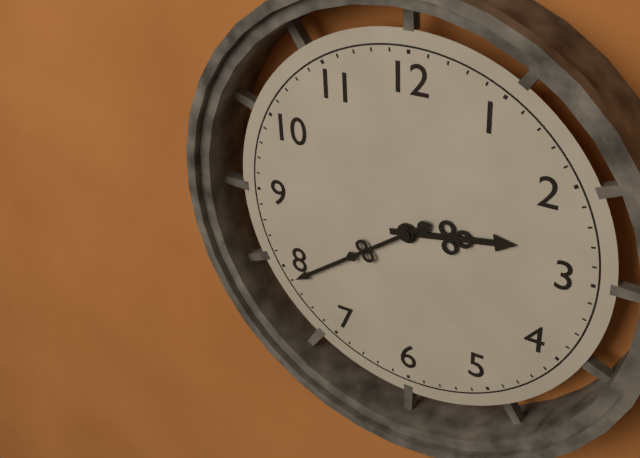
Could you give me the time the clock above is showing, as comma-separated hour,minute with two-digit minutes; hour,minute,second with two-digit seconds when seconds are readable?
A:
2,39
